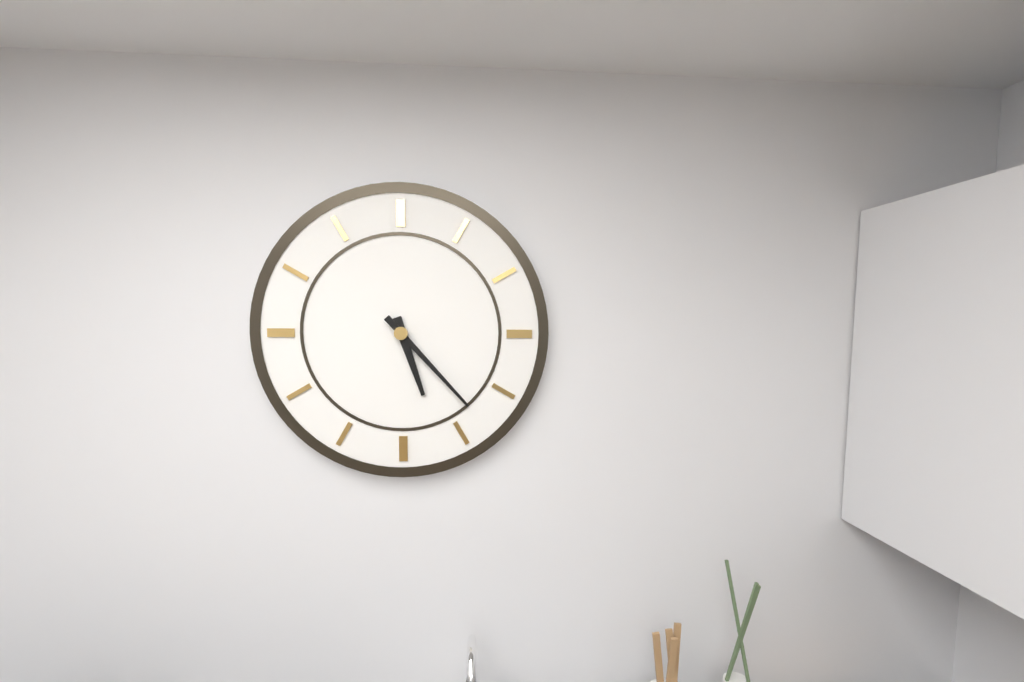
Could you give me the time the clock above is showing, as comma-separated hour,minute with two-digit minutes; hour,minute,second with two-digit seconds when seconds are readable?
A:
5,23
